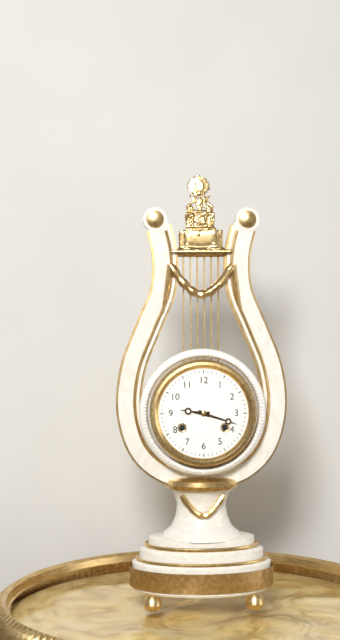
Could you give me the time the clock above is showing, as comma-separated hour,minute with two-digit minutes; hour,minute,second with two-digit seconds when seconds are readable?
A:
9,18
